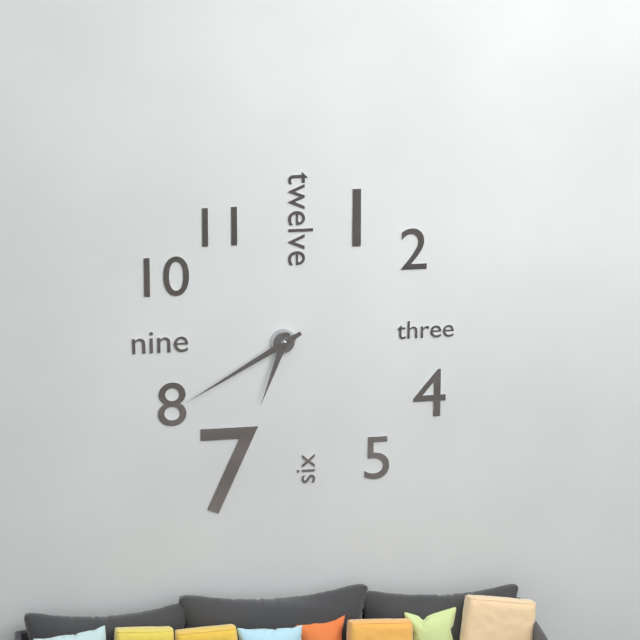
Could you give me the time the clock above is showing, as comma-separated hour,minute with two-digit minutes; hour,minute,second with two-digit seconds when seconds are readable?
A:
6,40
